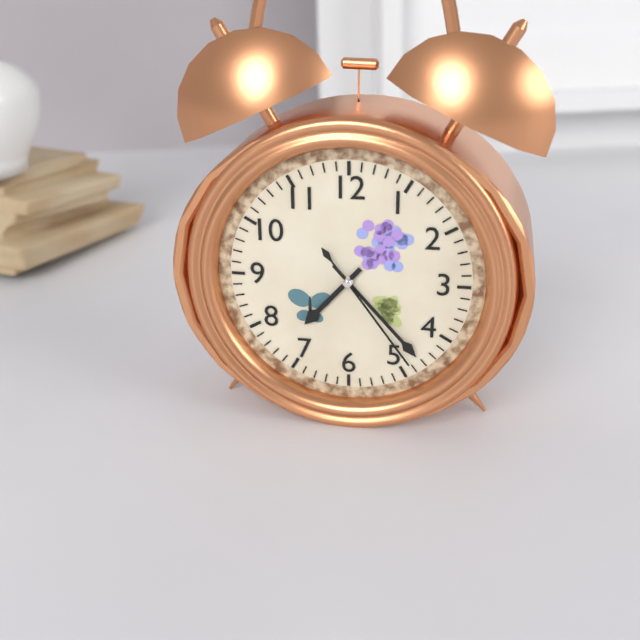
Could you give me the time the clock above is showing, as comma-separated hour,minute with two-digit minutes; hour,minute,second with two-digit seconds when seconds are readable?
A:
7,23,24
